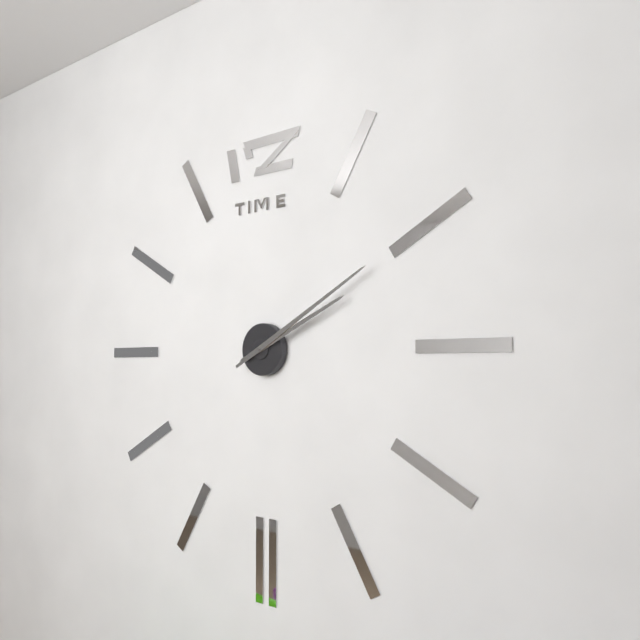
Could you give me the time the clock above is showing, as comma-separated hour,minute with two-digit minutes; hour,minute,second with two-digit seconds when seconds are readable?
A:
2,10
